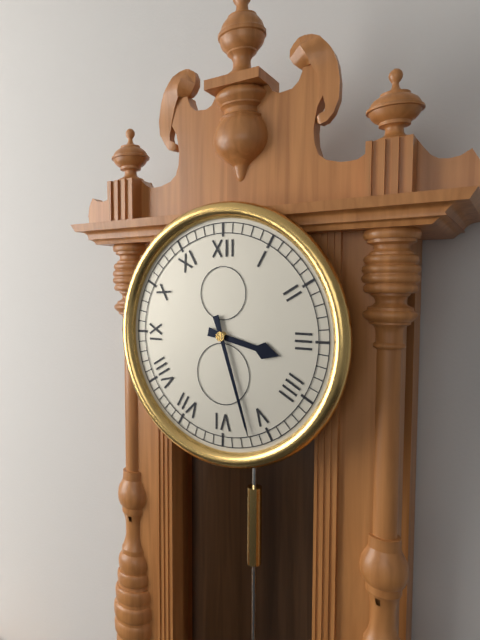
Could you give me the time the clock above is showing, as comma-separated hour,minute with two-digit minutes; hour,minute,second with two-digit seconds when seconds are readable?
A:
3,27
